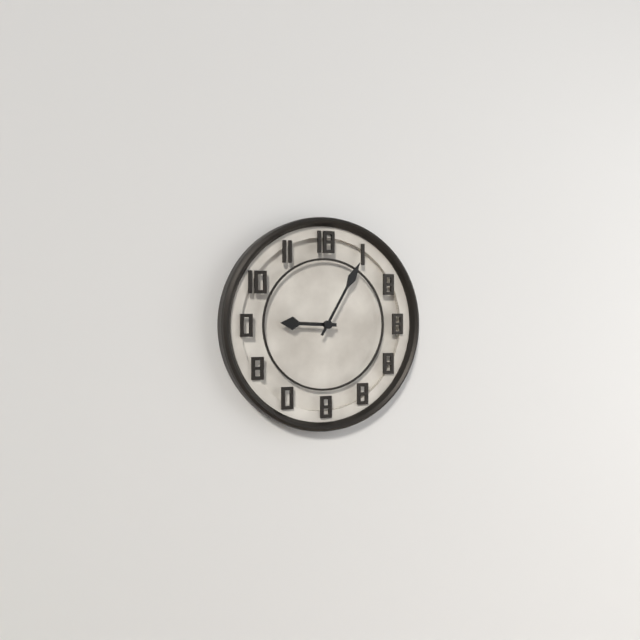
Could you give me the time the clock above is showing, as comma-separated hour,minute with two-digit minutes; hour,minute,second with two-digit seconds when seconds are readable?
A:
9,05
